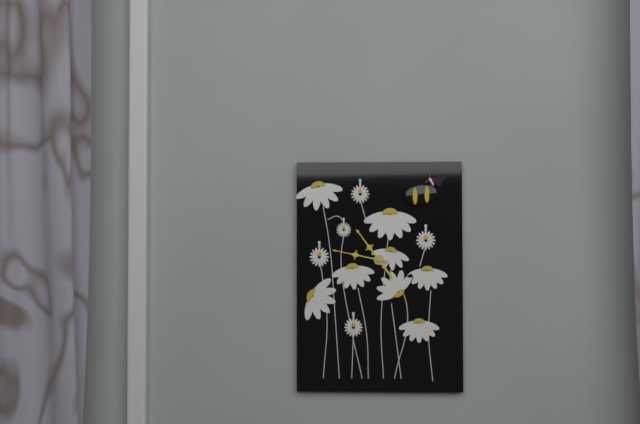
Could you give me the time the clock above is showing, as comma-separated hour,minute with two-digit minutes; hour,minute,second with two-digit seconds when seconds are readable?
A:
10,47
